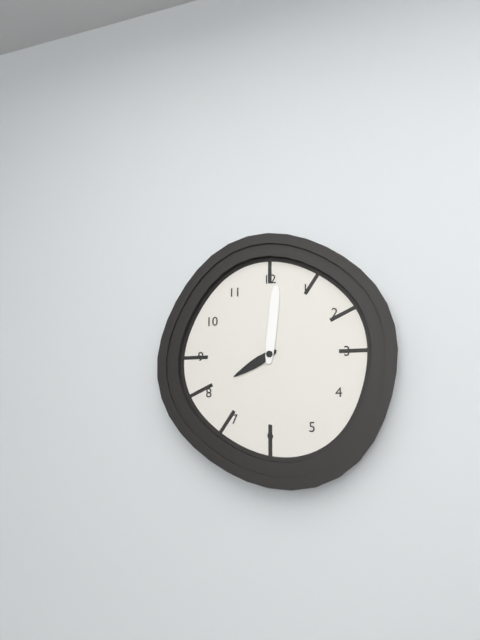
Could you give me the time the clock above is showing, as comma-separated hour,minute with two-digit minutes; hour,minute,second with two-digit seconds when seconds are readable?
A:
8,01
